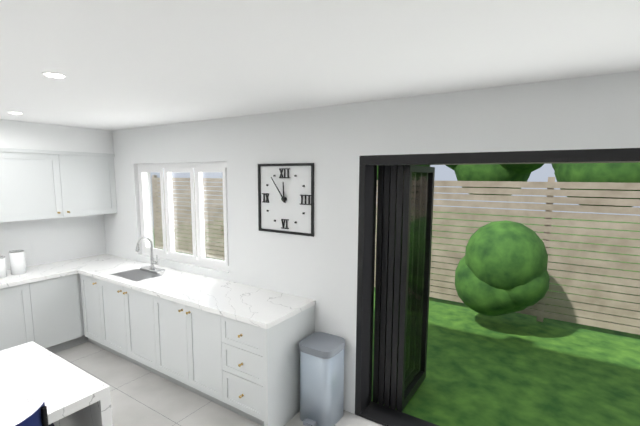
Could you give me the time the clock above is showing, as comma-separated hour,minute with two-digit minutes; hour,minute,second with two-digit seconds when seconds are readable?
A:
11,54
